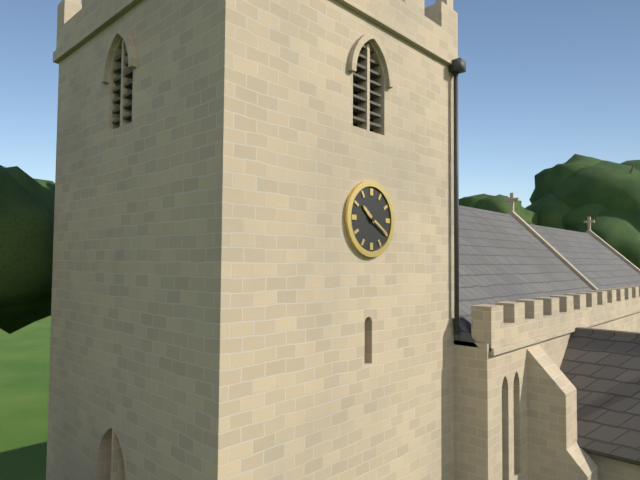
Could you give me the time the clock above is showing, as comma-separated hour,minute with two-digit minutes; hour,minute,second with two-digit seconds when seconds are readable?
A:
10,20
